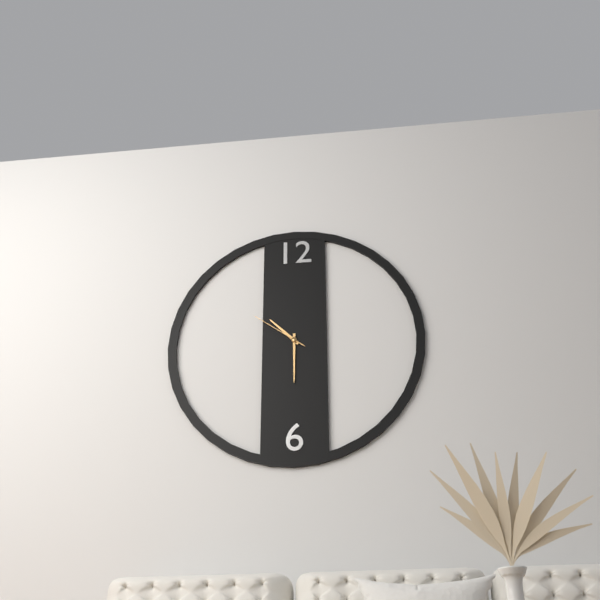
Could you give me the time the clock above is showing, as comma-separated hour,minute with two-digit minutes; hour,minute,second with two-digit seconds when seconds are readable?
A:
10,30,51
